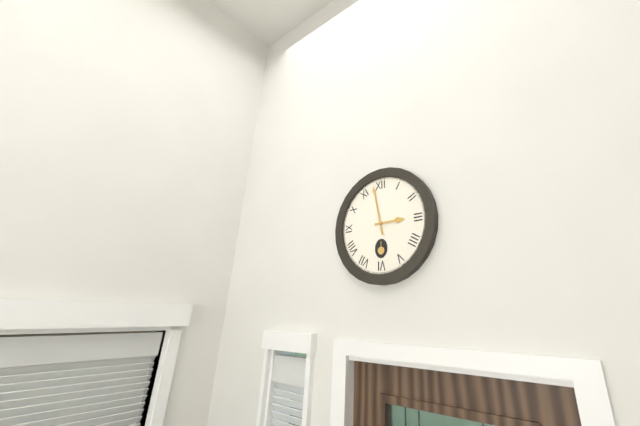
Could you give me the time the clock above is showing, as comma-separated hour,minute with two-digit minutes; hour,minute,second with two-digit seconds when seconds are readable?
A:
2,58
